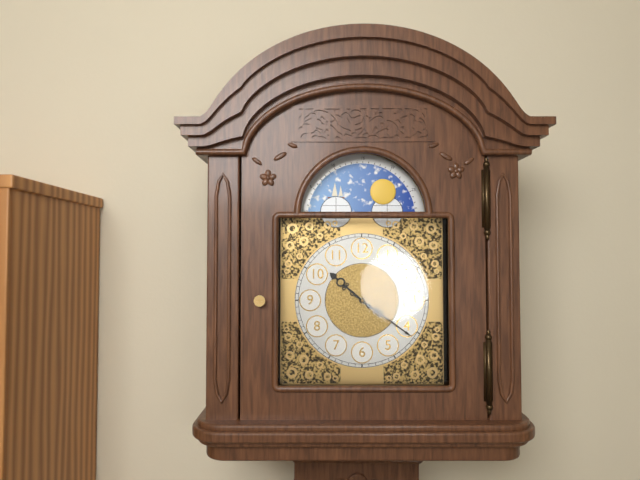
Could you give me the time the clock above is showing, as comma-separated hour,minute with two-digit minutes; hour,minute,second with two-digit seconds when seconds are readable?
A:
10,21
